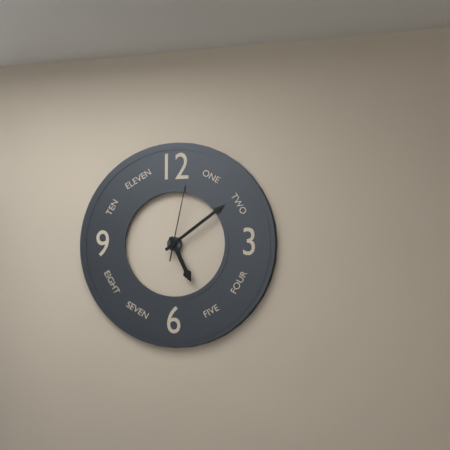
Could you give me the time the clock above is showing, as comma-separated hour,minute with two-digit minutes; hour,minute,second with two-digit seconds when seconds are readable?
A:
5,09,02
